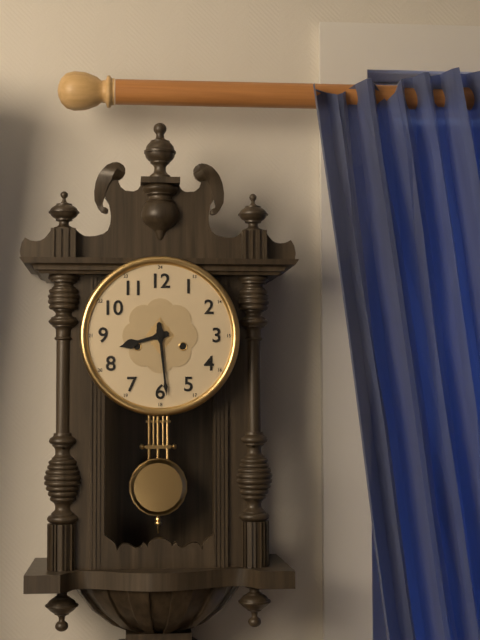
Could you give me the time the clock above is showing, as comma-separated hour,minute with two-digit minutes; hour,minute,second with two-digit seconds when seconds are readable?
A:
8,29
